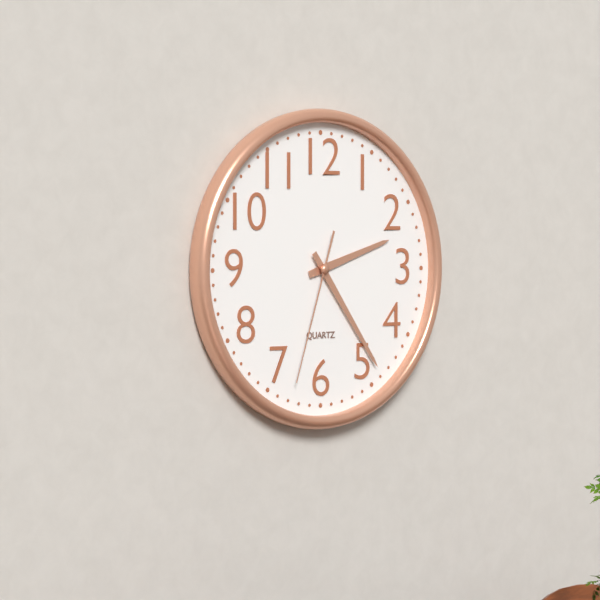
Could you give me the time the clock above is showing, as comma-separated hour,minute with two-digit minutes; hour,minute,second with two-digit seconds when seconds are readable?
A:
2,24,33
